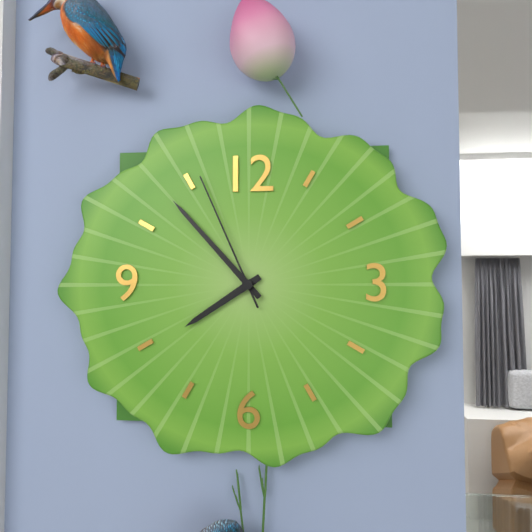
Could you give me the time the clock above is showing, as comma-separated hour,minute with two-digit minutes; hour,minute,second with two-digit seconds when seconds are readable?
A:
7,53,56
